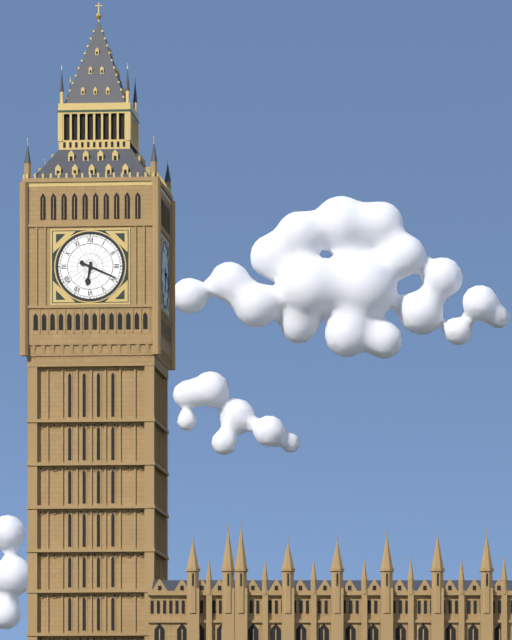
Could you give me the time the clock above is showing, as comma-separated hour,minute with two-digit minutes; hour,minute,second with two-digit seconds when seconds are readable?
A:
6,19
